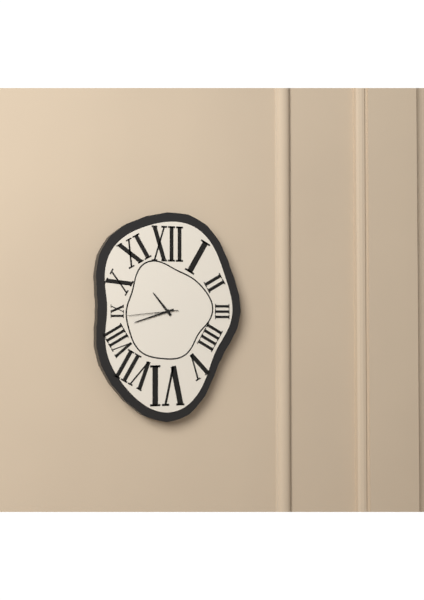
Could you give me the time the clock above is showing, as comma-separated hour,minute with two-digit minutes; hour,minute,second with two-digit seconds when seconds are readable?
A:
10,42
